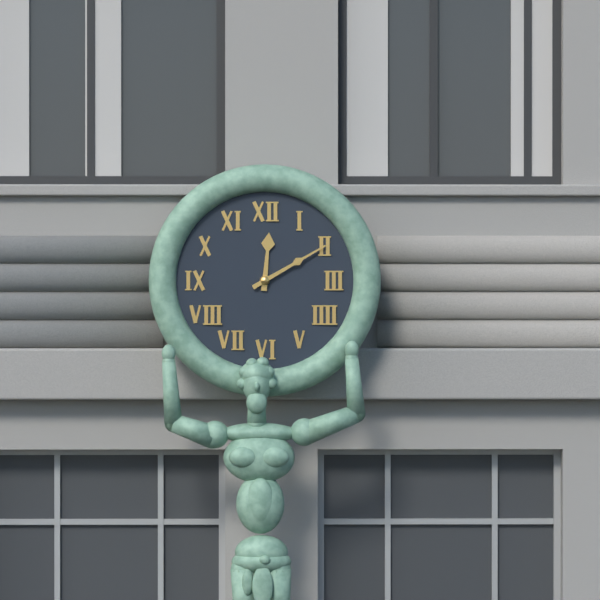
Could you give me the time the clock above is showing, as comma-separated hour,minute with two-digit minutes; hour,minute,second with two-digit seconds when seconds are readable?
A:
12,10
